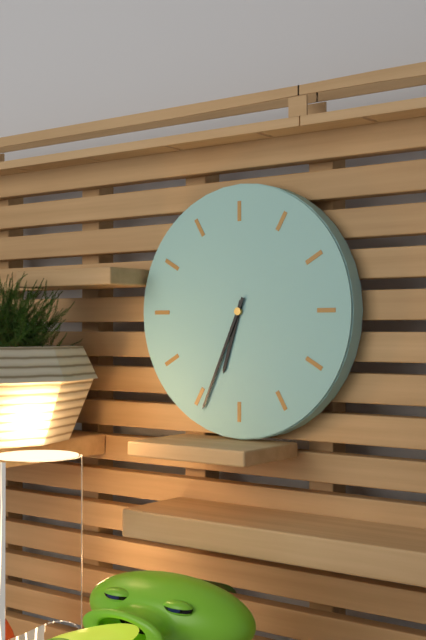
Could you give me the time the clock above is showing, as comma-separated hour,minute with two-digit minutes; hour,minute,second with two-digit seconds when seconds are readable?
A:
6,34
